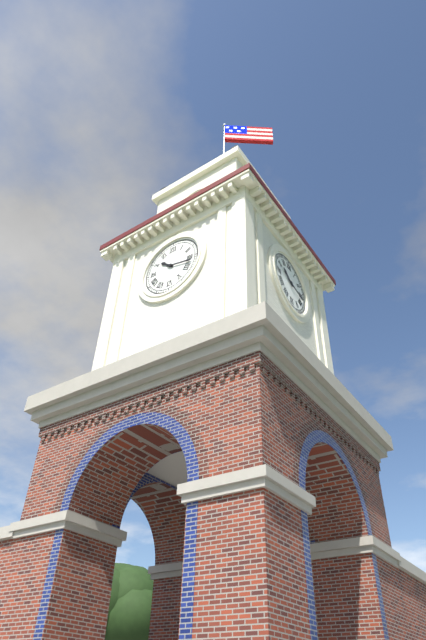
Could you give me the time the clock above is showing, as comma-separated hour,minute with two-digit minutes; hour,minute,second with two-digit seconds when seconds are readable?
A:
10,17
